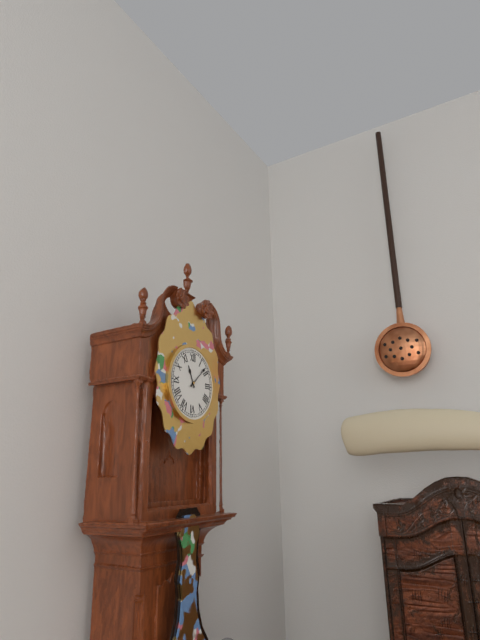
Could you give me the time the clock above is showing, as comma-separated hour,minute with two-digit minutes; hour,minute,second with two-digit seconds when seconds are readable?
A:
11,08
